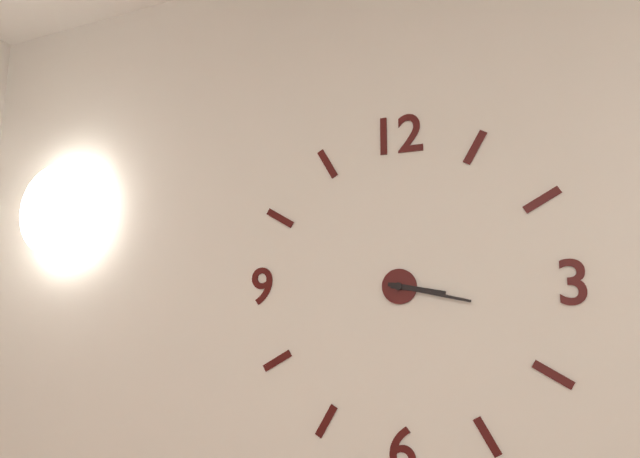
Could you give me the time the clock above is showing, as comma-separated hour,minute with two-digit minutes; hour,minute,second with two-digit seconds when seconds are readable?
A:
3,17
